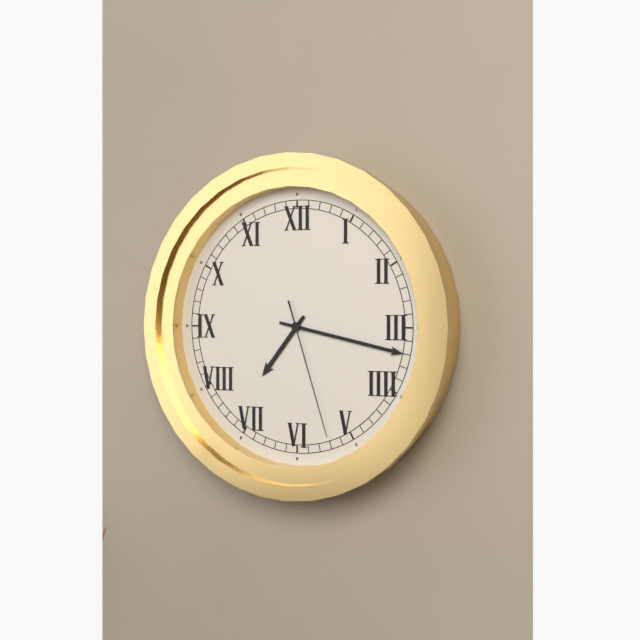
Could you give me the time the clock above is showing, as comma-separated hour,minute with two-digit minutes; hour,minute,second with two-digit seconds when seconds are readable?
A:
7,17,27
